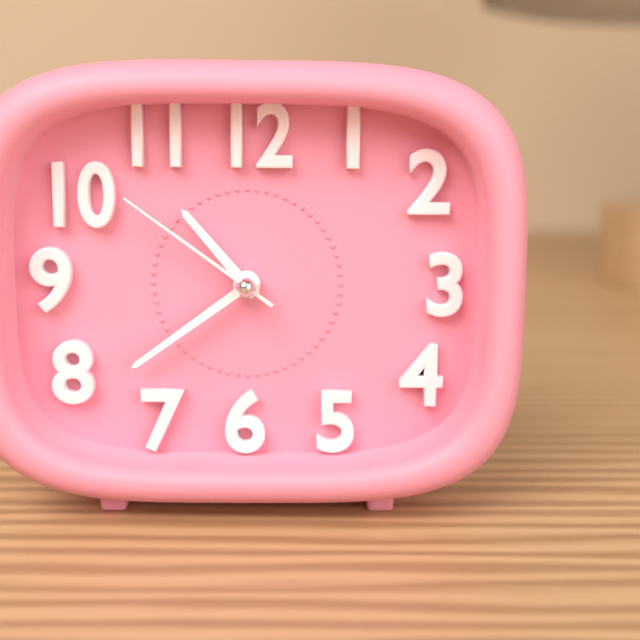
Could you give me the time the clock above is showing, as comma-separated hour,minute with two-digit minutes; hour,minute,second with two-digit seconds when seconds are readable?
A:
10,39,51
